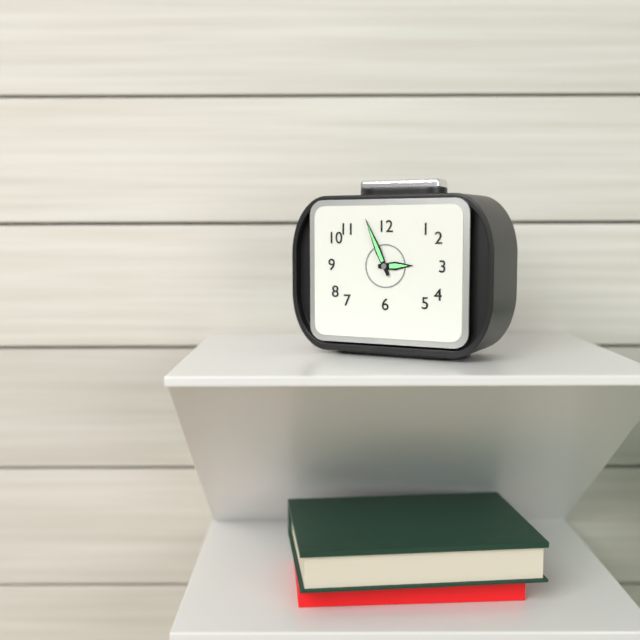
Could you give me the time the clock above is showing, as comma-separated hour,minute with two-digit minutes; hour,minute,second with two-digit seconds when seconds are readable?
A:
2,56
